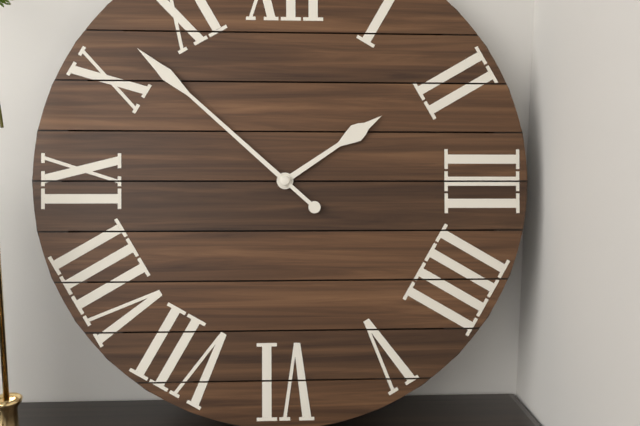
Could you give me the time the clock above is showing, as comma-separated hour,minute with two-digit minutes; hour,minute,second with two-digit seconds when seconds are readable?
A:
1,52
